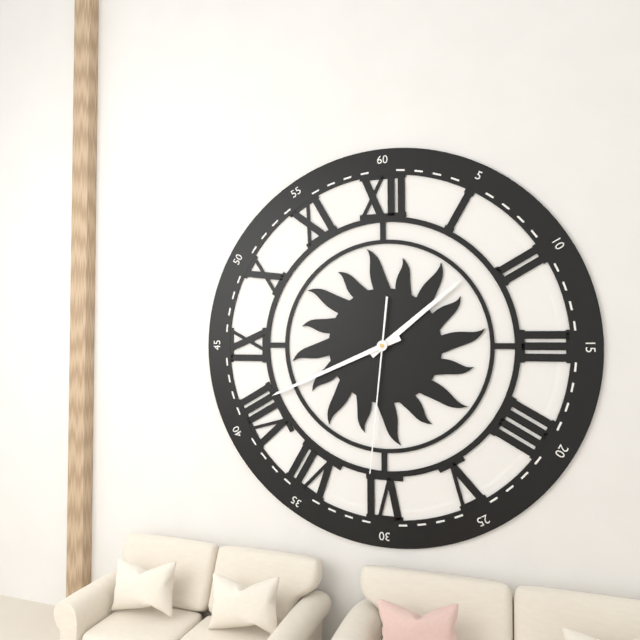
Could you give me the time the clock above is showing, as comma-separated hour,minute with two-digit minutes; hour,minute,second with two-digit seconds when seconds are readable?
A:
1,41,31
